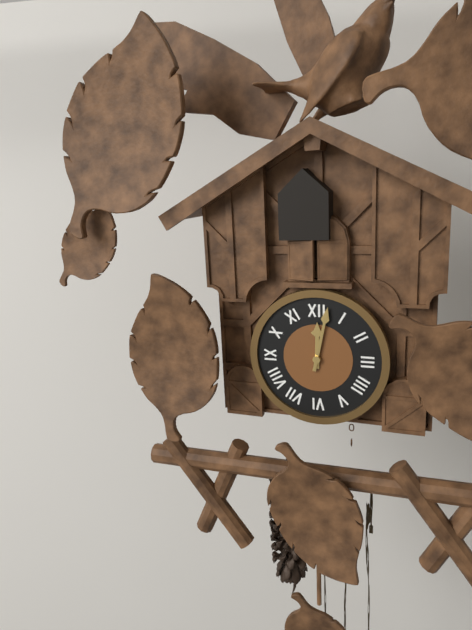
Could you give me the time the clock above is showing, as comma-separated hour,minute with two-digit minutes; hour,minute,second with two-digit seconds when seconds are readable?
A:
12,02
